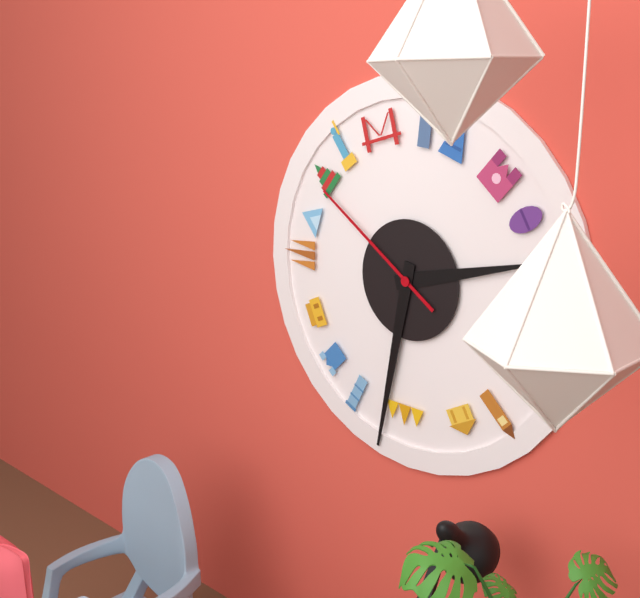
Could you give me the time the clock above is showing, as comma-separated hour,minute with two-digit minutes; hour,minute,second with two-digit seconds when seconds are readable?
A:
2,32,51
